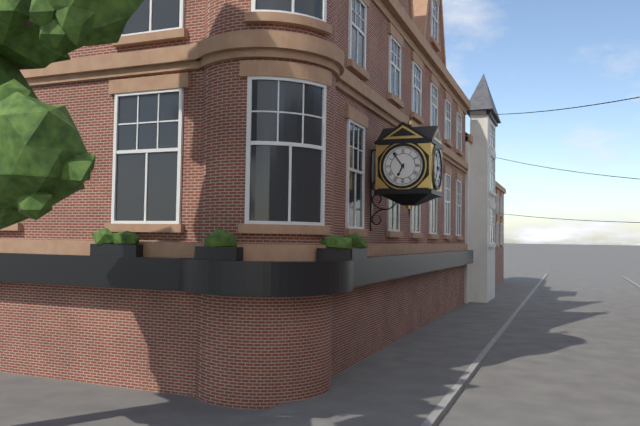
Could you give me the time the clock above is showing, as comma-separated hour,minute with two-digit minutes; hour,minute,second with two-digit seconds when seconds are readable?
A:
6,54
